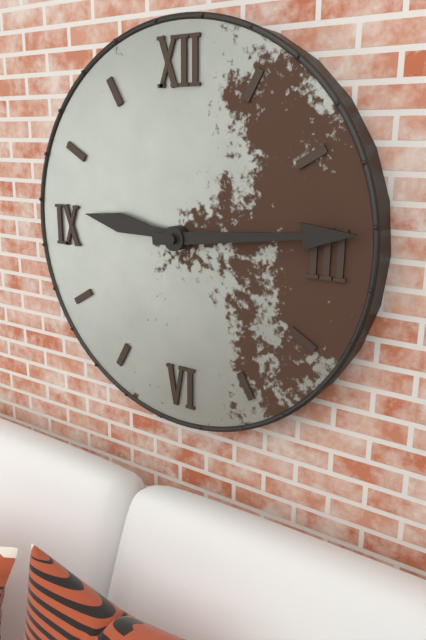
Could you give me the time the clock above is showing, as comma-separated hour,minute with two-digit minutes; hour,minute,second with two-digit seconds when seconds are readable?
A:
9,14
